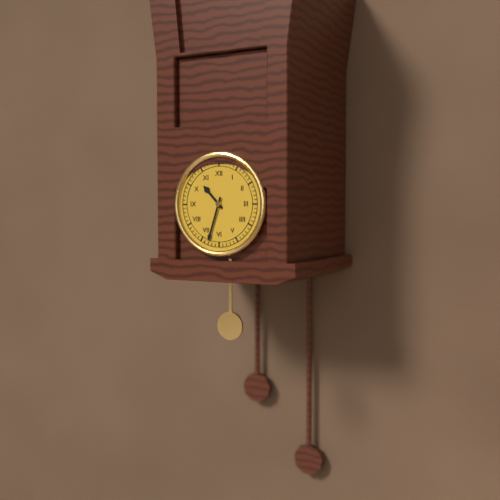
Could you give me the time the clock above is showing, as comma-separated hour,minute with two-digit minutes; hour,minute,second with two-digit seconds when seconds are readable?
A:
10,33
